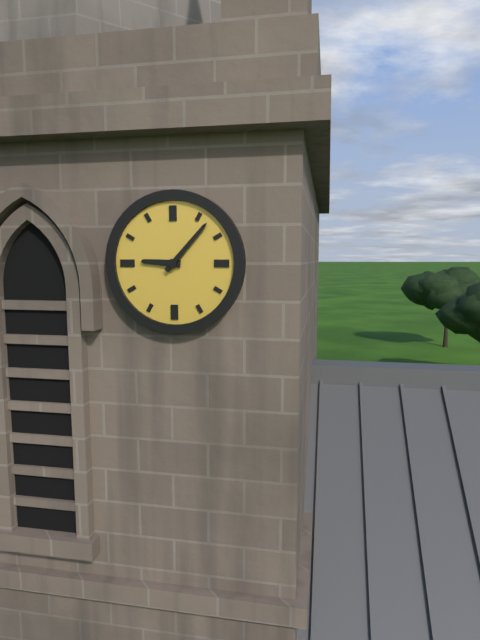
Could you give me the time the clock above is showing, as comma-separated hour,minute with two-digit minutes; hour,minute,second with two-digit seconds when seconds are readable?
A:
9,07
